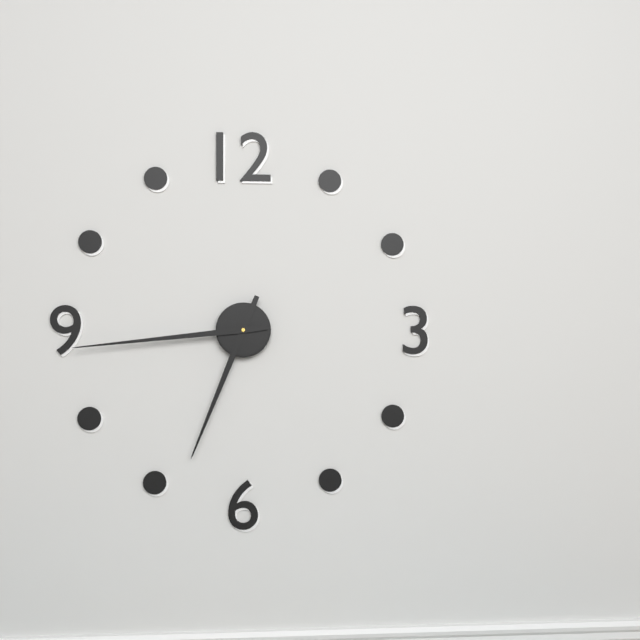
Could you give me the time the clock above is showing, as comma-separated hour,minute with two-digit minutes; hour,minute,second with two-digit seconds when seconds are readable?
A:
6,44
